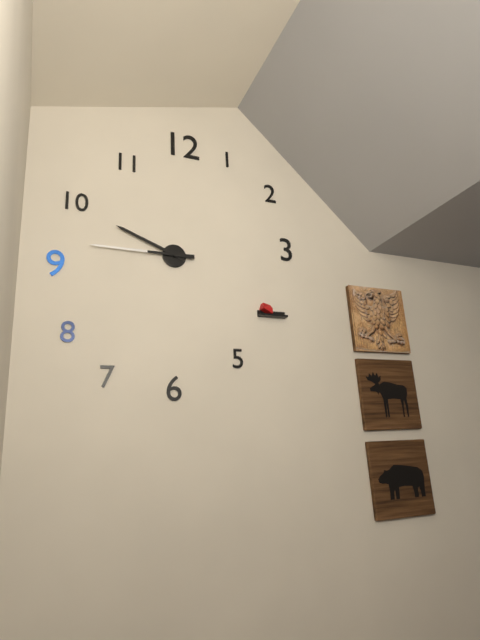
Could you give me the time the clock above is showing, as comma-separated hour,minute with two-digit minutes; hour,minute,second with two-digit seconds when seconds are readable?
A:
9,45
